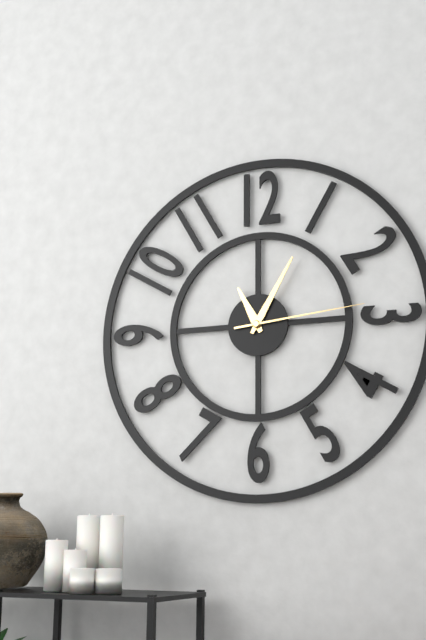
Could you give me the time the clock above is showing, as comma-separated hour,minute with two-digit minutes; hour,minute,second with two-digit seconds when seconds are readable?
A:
11,05,14
